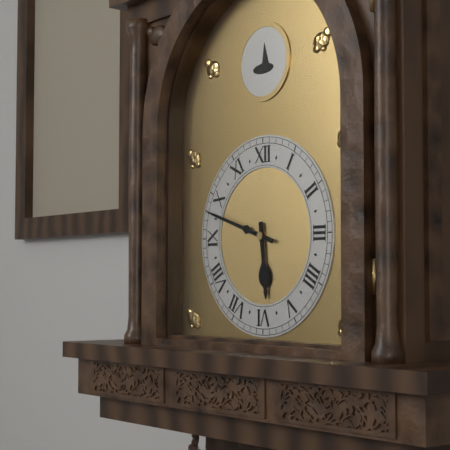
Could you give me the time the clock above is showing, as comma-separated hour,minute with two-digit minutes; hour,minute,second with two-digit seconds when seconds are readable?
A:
5,48
